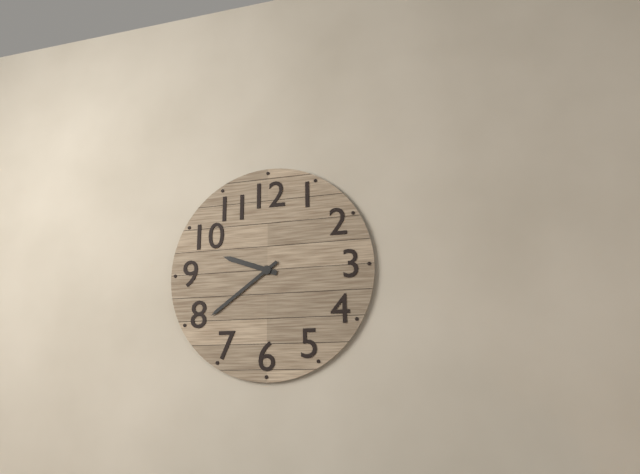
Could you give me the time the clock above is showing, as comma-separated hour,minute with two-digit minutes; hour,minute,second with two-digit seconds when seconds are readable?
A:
9,39
